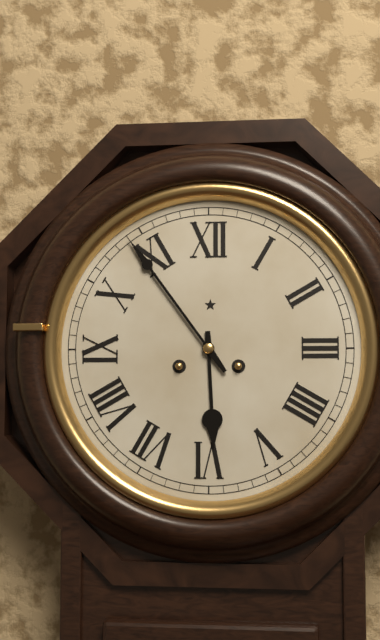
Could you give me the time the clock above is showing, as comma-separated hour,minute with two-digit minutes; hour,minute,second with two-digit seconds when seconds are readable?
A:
5,54
